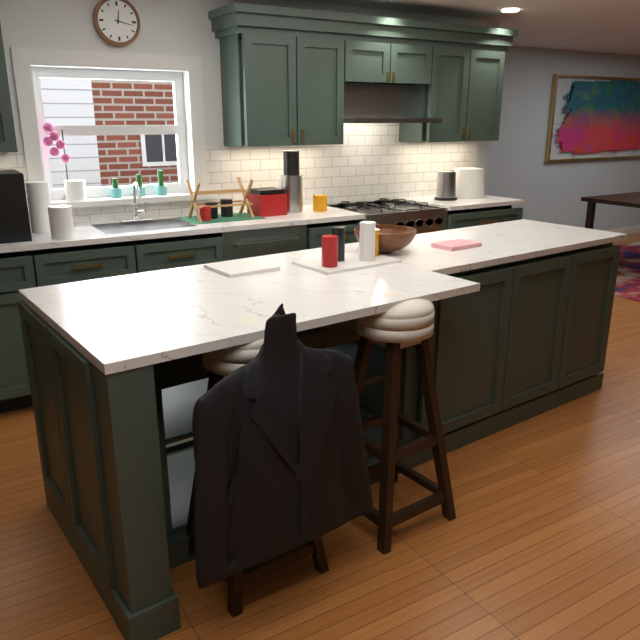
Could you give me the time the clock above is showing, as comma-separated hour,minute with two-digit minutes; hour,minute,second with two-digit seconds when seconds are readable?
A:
12,17
